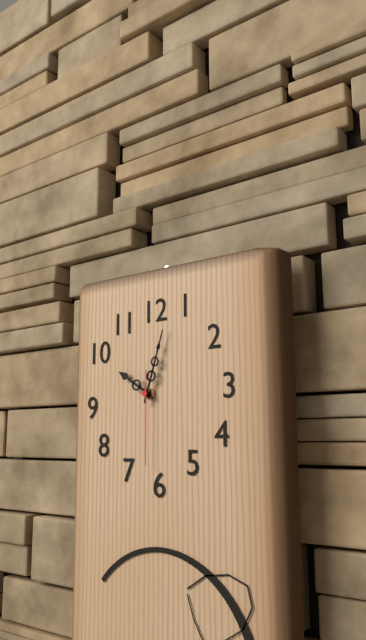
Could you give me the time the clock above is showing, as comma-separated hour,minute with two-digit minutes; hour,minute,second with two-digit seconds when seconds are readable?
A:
10,03,30
